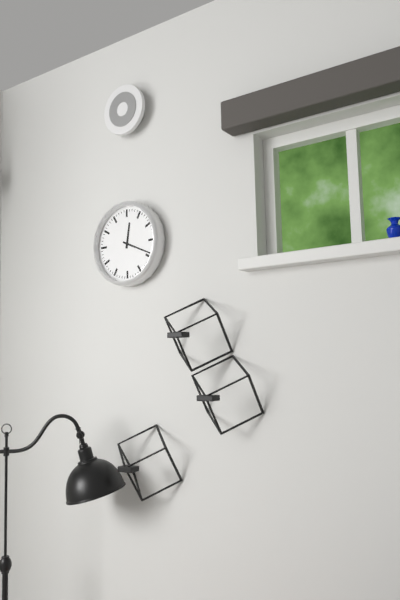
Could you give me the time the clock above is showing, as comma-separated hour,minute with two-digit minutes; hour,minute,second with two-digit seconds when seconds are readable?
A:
12,19
